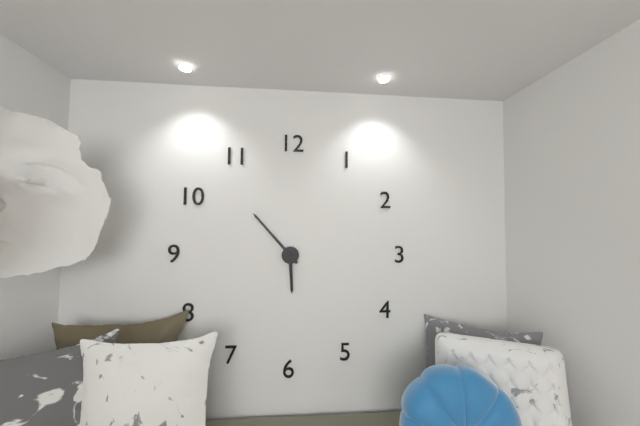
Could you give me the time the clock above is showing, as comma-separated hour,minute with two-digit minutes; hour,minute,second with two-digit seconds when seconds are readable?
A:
5,53
